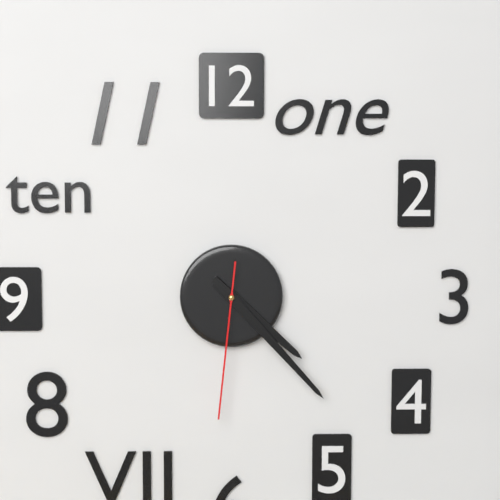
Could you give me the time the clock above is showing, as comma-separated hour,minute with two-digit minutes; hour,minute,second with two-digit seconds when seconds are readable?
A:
4,23,31
